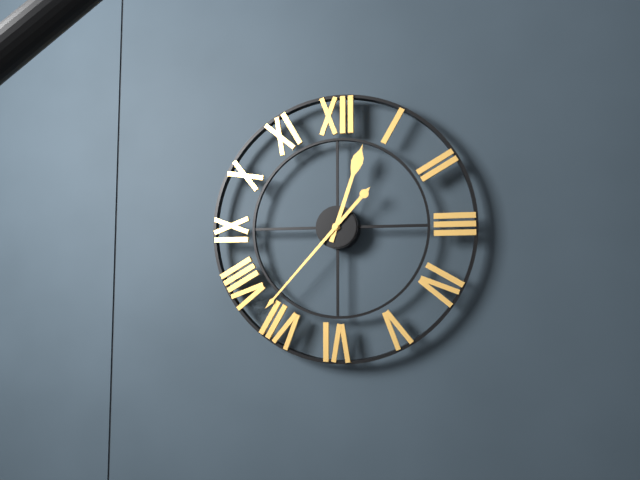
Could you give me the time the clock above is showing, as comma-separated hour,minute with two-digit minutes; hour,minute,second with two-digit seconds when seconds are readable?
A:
12,37
